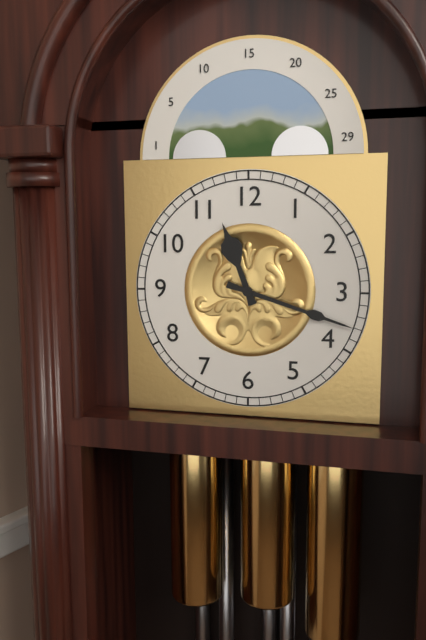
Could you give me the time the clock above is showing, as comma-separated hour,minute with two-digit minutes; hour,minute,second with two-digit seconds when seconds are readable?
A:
11,18
